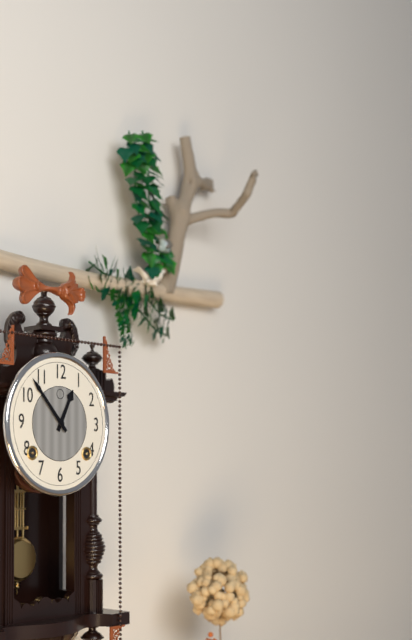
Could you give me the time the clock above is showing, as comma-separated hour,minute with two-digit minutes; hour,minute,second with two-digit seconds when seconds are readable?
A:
12,53
